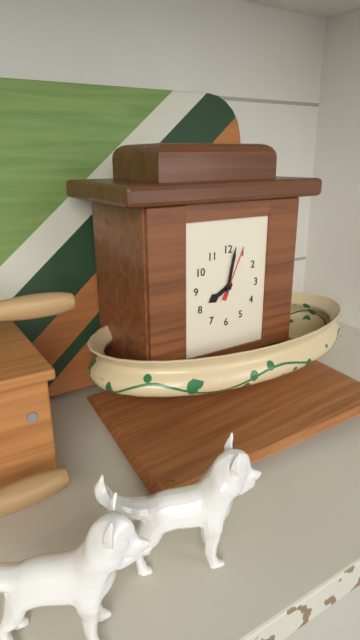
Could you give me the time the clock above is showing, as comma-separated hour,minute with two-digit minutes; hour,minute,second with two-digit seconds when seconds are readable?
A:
8,02,04
